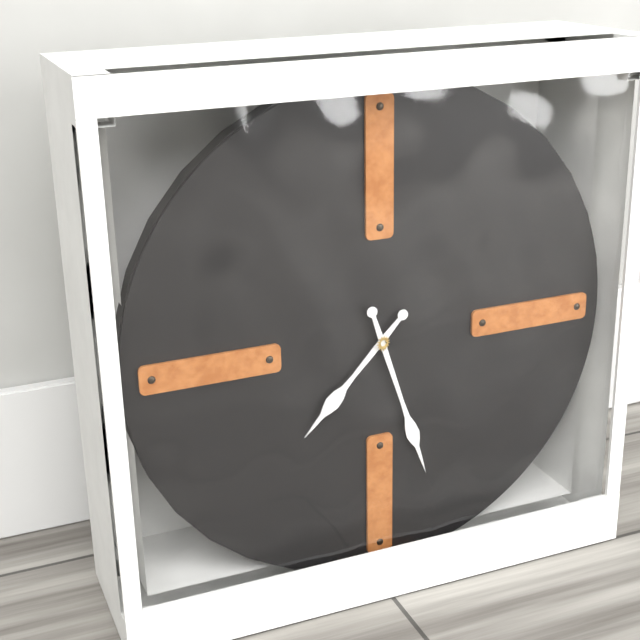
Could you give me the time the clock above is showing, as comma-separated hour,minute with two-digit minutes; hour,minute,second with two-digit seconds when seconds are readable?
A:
7,27
